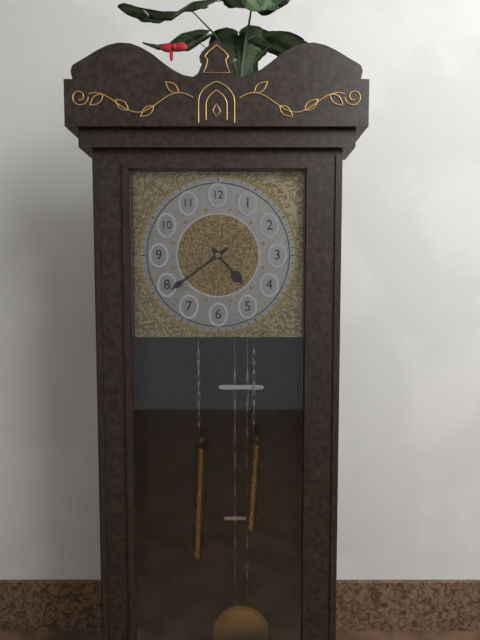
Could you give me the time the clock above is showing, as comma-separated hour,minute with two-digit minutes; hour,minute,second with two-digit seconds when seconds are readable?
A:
4,39
